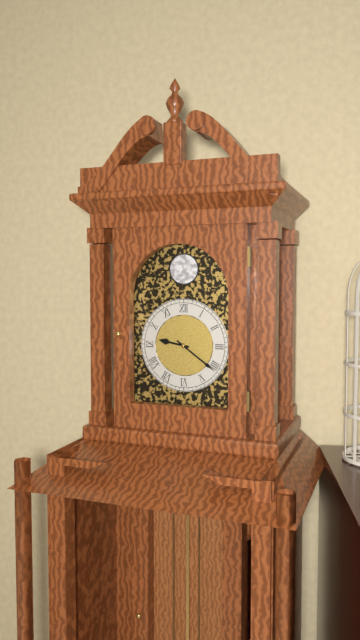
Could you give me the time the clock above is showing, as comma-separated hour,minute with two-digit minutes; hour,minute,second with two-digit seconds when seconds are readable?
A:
9,21
